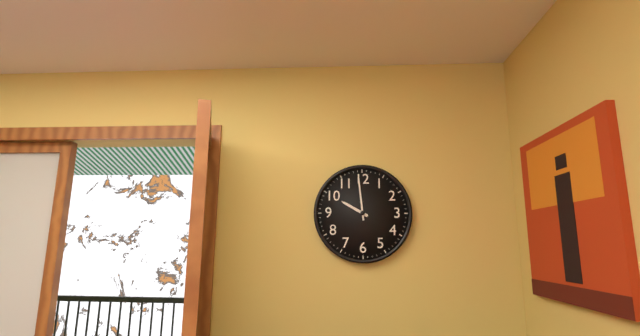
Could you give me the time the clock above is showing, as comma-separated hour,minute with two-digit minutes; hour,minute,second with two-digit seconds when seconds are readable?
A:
9,59
